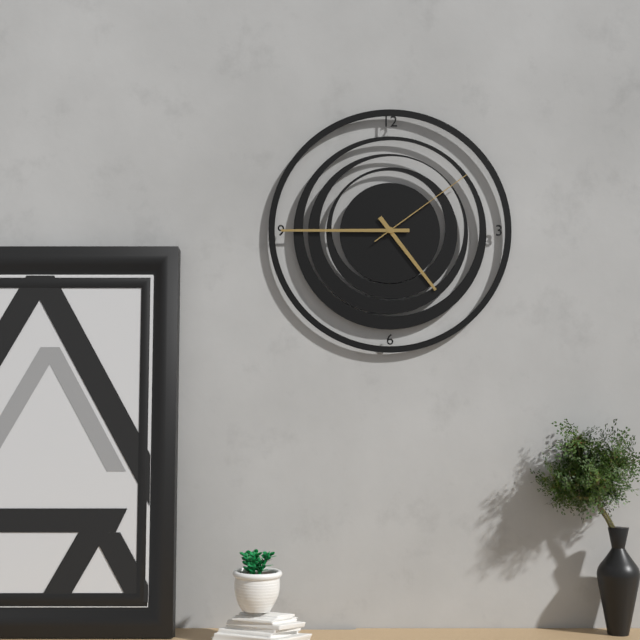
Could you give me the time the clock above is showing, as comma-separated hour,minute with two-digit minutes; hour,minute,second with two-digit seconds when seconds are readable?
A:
4,45,09
